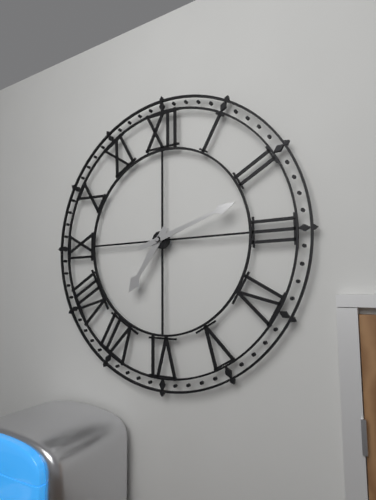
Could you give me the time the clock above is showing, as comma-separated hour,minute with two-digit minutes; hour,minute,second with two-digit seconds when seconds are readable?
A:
7,12
